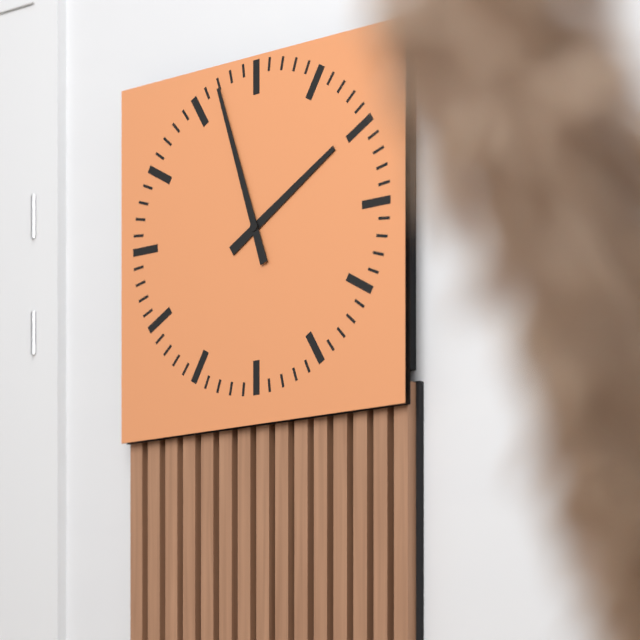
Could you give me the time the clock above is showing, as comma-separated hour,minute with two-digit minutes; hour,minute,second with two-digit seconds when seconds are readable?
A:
1,57
